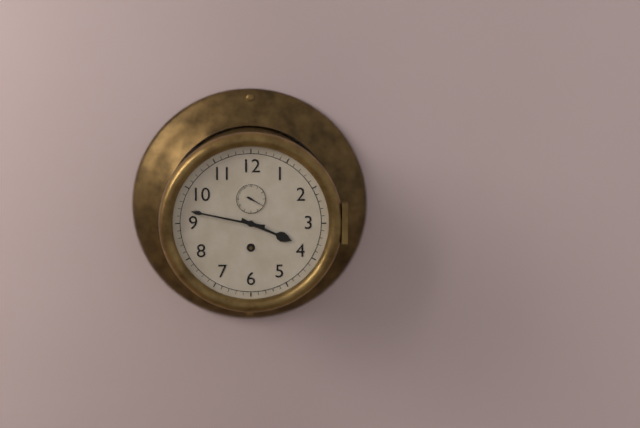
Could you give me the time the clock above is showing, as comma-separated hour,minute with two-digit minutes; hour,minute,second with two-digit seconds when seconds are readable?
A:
3,47
